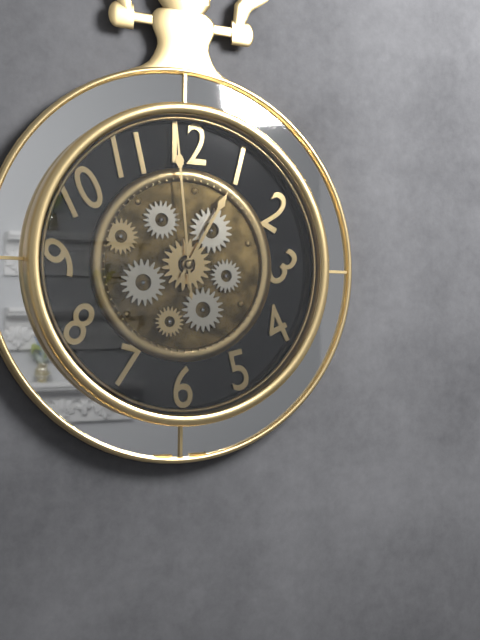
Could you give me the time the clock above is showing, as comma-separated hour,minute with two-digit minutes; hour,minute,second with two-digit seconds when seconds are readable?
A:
12,59
